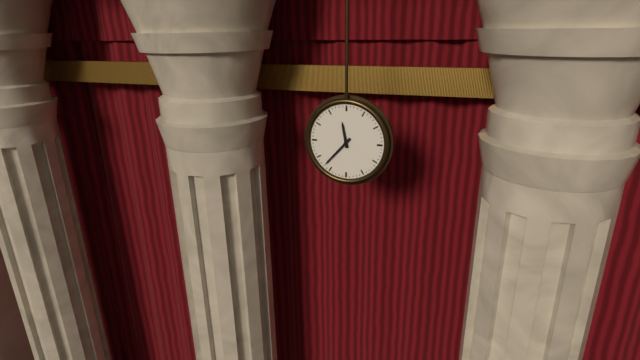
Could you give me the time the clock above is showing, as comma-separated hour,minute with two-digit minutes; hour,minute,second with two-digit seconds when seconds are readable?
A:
11,37
